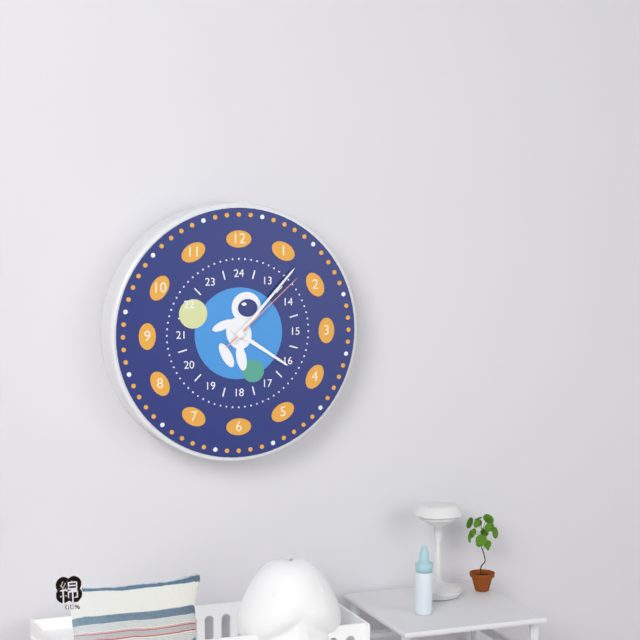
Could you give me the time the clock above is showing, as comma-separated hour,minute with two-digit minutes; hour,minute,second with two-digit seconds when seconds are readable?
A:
4,07,08
